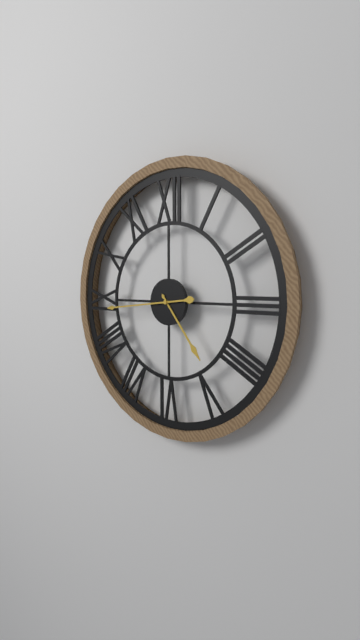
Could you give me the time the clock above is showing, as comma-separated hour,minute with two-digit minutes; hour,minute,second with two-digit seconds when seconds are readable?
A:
4,44
